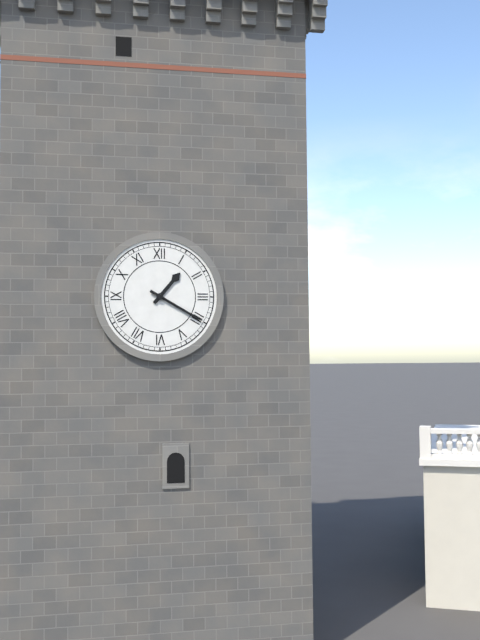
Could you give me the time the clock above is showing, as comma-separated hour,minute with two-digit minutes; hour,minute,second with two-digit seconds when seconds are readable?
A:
1,20
